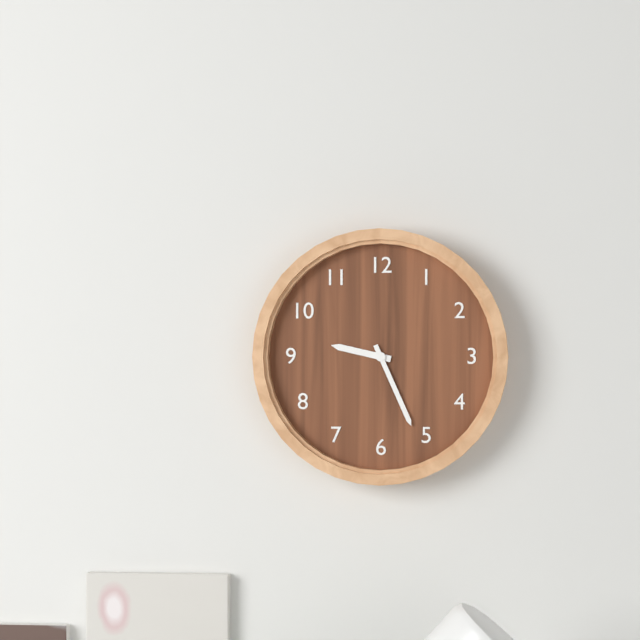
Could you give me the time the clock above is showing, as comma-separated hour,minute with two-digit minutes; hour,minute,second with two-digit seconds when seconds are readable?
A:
9,26
